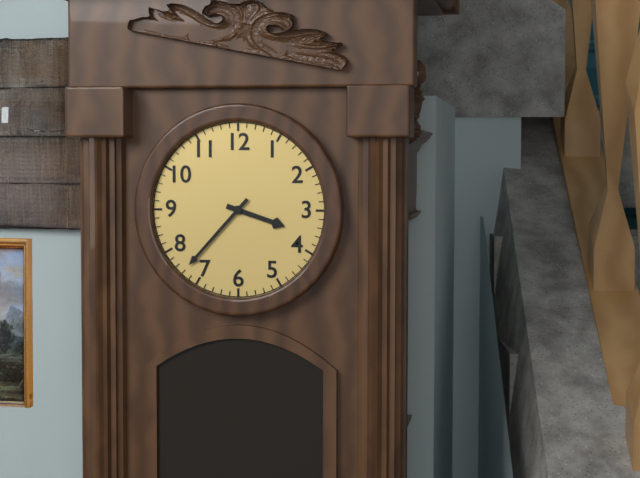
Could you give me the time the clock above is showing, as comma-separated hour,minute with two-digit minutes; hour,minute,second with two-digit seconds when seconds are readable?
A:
3,37
